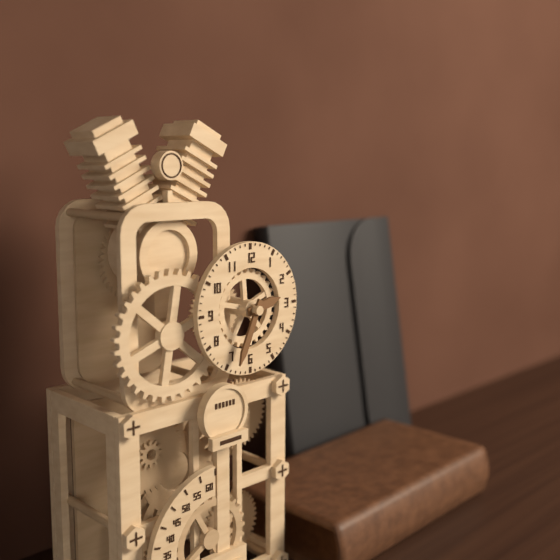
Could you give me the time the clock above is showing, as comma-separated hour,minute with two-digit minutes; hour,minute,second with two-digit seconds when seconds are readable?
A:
2,34
